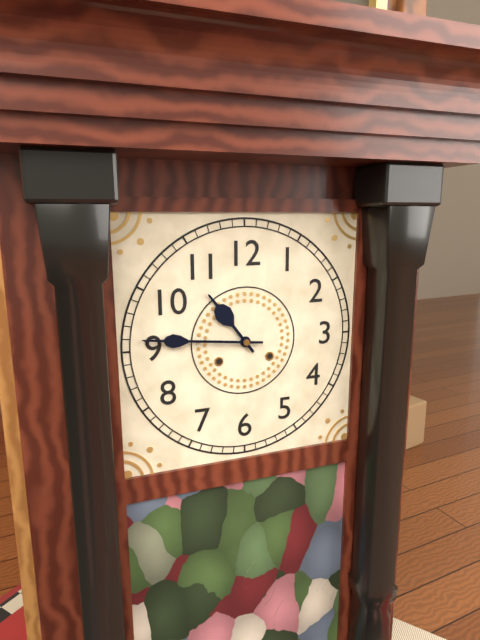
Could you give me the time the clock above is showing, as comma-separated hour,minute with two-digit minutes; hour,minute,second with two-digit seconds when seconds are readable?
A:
10,46
